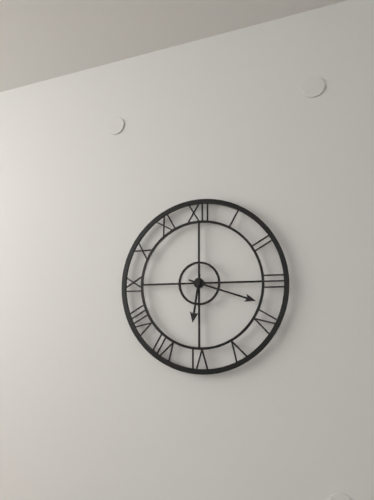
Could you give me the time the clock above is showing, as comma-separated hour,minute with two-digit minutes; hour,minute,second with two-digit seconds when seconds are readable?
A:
6,18
